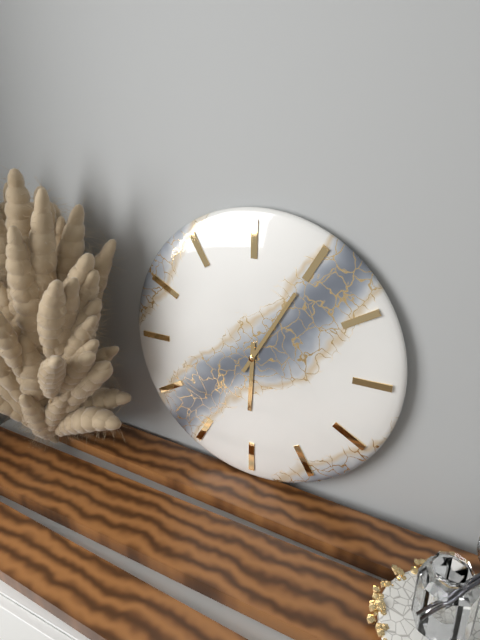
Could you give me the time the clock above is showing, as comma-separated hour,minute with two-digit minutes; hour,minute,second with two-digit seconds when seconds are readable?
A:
6,05
